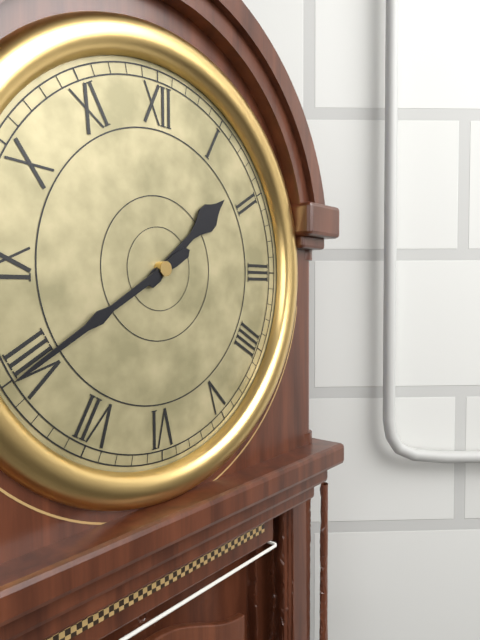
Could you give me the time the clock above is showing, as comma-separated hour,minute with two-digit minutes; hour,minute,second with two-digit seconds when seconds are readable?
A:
1,40
